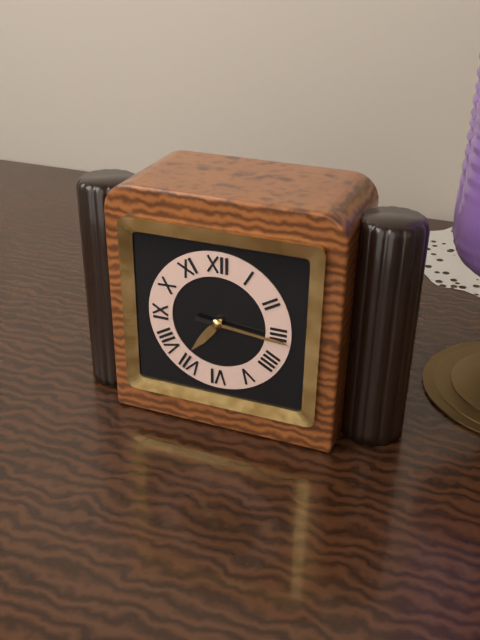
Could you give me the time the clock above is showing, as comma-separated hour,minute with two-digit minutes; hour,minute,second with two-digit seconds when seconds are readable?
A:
7,16
